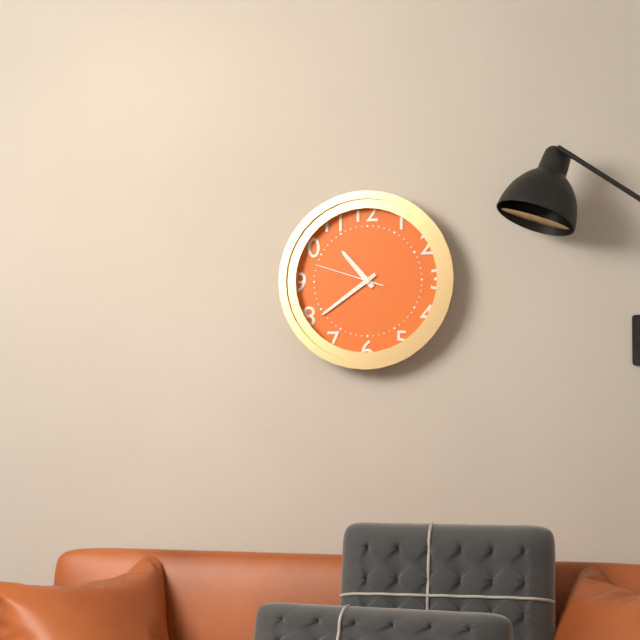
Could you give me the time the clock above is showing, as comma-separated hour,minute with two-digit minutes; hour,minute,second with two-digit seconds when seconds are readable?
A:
10,39,48
